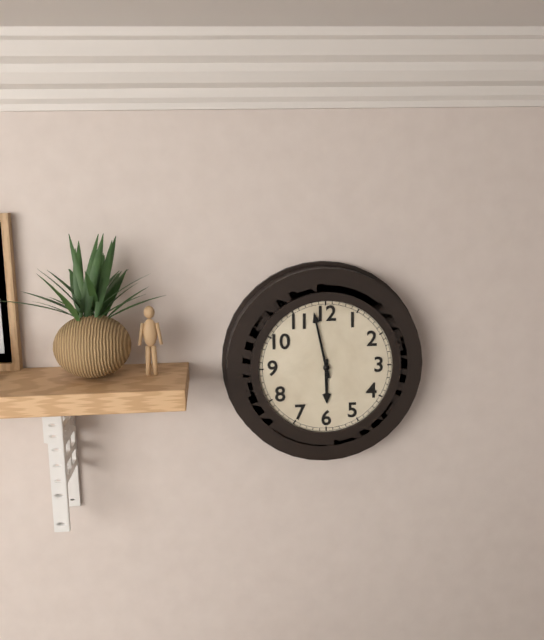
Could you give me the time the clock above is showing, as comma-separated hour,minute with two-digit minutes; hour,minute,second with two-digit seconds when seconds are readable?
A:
5,58
